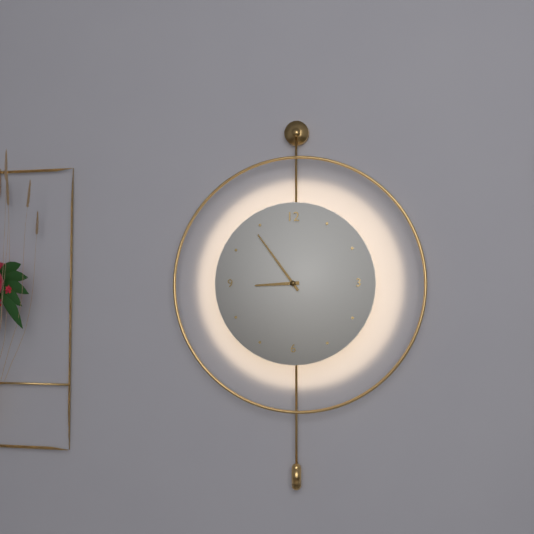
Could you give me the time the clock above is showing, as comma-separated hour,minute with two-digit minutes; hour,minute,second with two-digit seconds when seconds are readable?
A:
8,54
